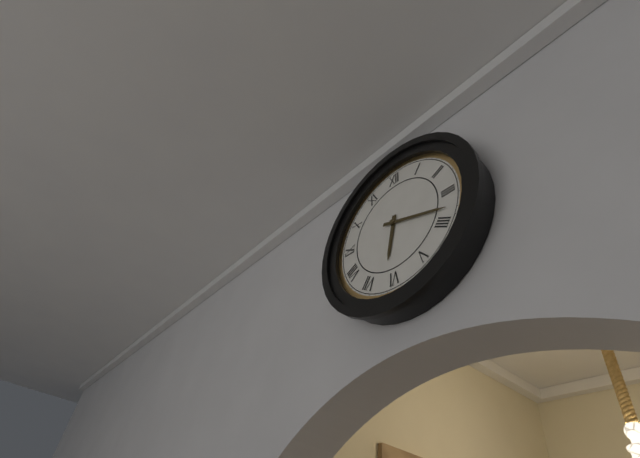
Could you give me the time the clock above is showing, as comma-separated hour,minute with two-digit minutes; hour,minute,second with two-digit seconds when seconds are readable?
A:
6,18
